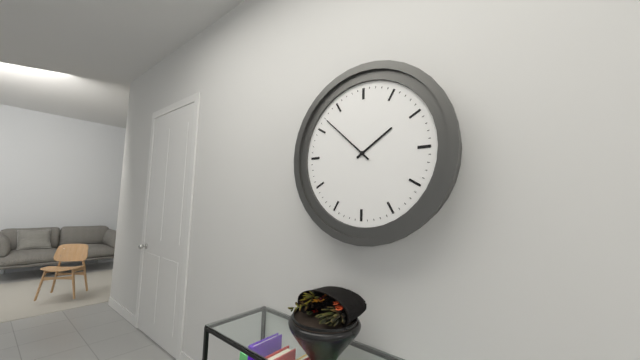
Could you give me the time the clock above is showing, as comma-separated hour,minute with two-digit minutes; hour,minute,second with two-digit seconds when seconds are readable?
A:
1,52
